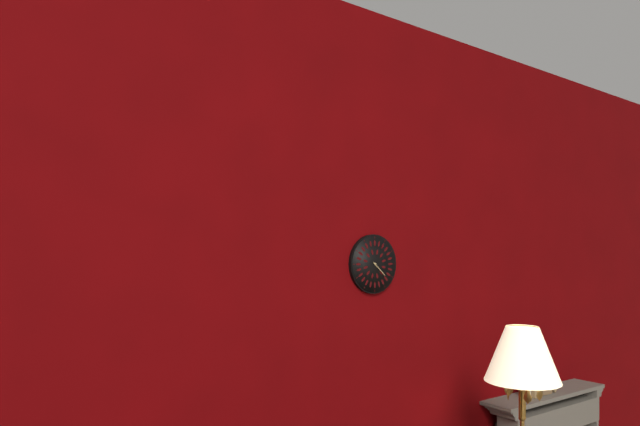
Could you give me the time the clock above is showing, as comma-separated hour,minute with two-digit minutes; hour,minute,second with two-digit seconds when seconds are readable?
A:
4,22
